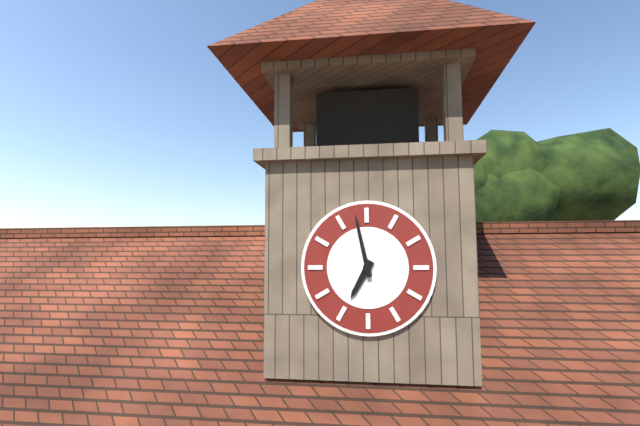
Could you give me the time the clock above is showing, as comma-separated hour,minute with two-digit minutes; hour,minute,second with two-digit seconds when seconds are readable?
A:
6,58
